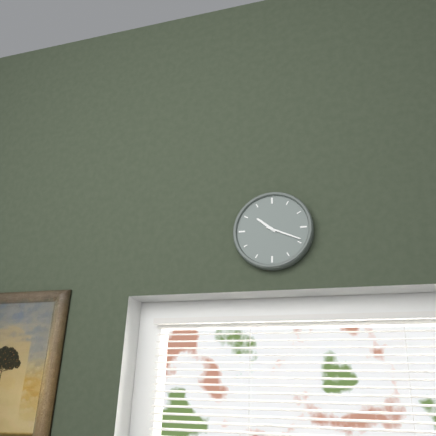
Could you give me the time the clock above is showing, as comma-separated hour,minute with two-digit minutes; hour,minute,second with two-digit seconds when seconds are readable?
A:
10,19
